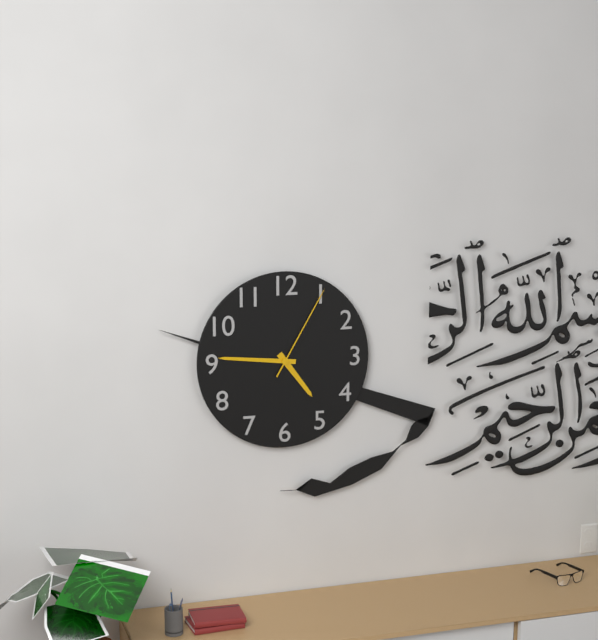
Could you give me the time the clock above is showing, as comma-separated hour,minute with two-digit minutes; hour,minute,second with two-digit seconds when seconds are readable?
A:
4,46,05
